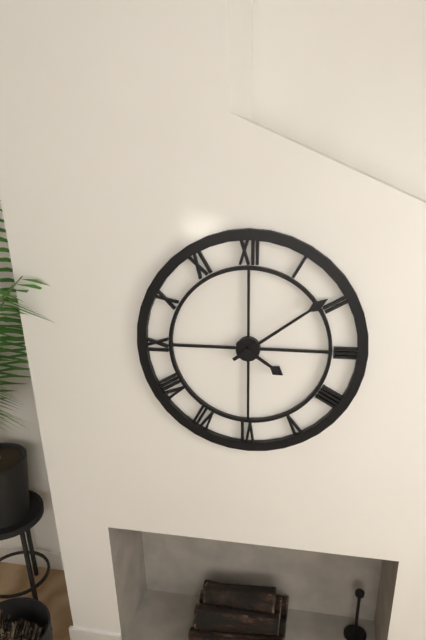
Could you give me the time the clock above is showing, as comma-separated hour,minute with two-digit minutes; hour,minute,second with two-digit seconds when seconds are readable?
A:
4,09
